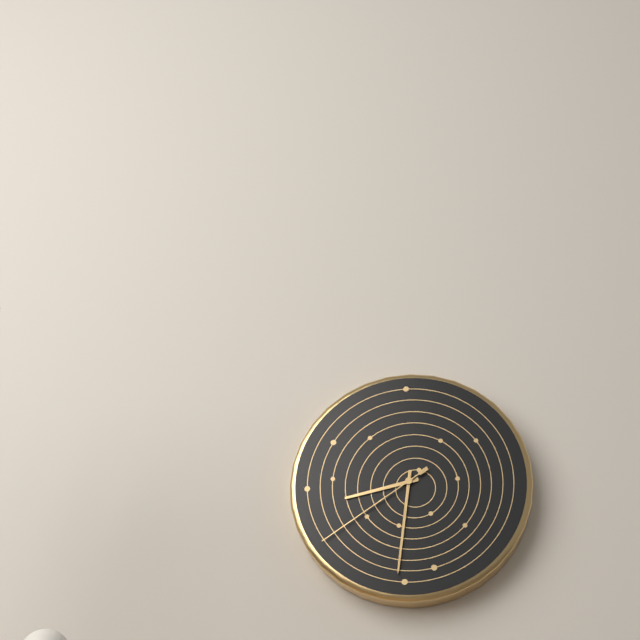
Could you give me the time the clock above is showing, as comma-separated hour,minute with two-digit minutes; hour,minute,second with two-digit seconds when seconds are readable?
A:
8,31,39
